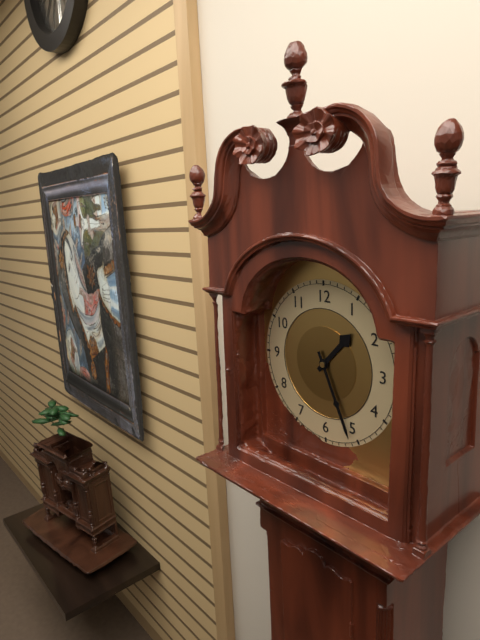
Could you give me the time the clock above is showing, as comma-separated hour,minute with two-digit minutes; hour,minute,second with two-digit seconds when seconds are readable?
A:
1,26
